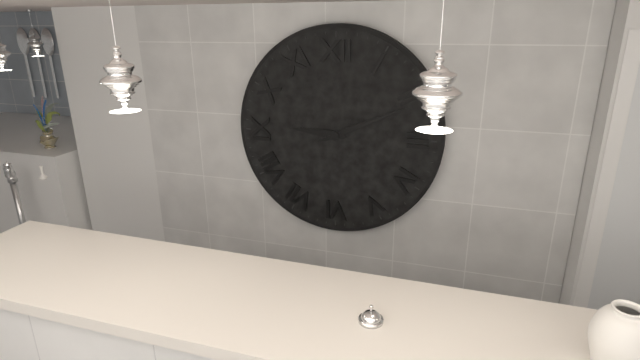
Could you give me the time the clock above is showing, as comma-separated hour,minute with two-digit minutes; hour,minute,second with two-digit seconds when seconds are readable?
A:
9,11
